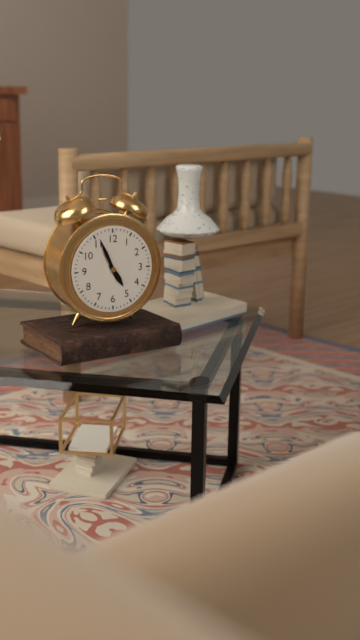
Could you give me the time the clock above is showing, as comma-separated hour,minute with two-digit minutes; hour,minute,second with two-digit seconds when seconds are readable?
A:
4,56
